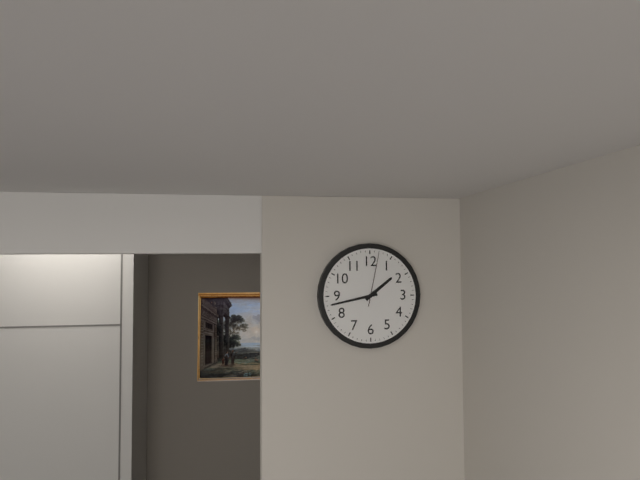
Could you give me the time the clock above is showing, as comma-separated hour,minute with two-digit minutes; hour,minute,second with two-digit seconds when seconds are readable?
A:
1,43,02
